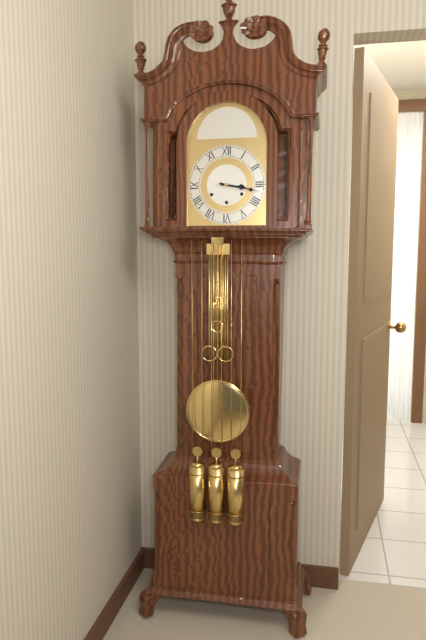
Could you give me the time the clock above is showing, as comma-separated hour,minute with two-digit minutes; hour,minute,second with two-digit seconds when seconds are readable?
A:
3,17
